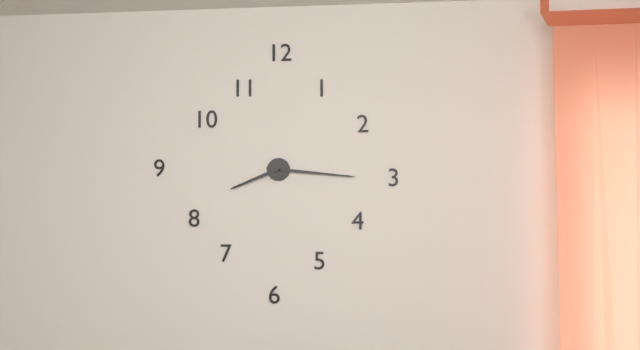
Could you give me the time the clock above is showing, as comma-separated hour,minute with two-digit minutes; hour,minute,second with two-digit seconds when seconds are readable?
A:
8,16
